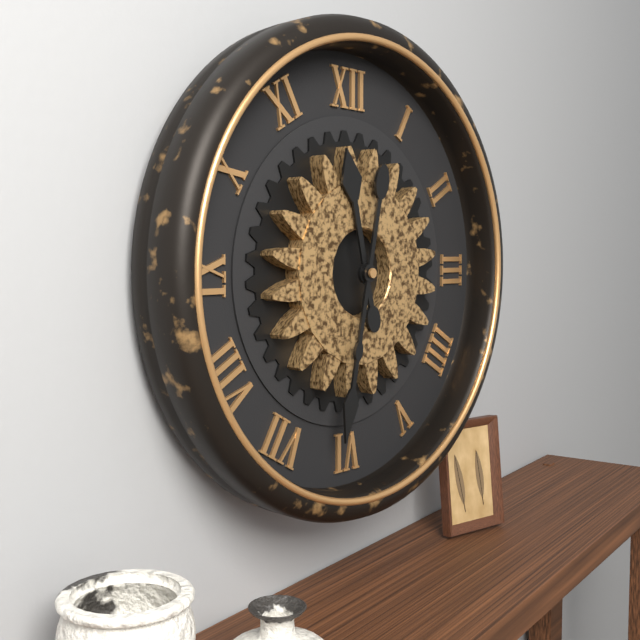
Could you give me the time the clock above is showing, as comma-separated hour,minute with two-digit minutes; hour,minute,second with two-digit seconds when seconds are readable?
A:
11,32
